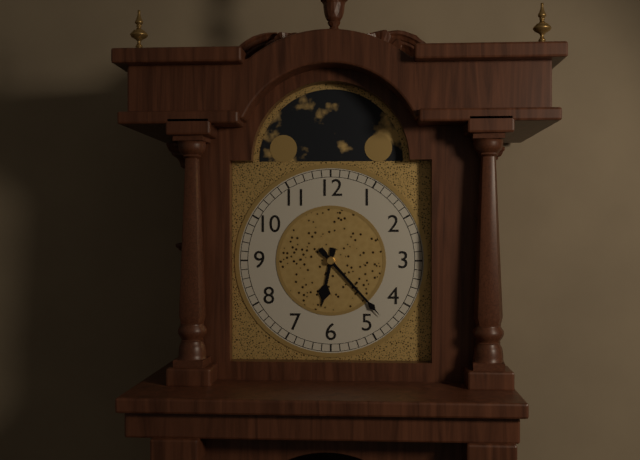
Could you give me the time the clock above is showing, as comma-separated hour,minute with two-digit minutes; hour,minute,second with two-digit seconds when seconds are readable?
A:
6,23
